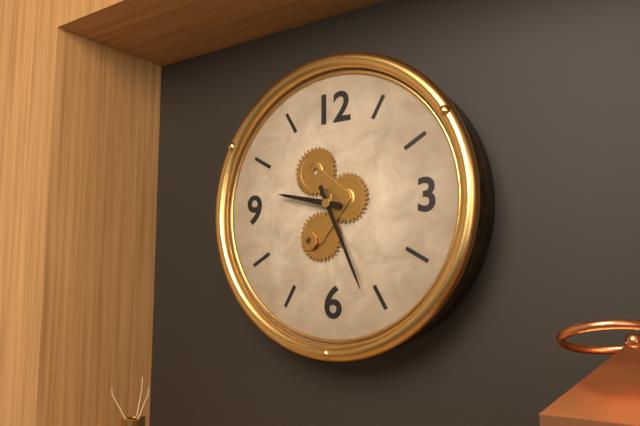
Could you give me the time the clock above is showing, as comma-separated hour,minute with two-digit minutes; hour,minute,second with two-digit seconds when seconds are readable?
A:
9,26
